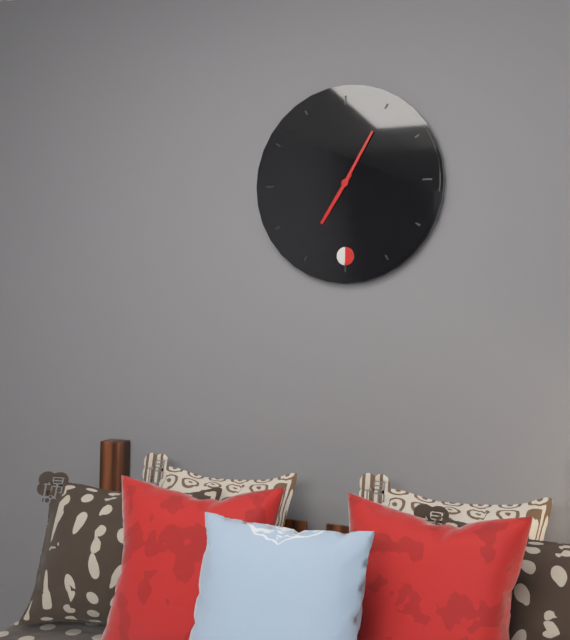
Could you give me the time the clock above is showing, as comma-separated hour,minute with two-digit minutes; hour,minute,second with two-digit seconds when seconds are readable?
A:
7,05
